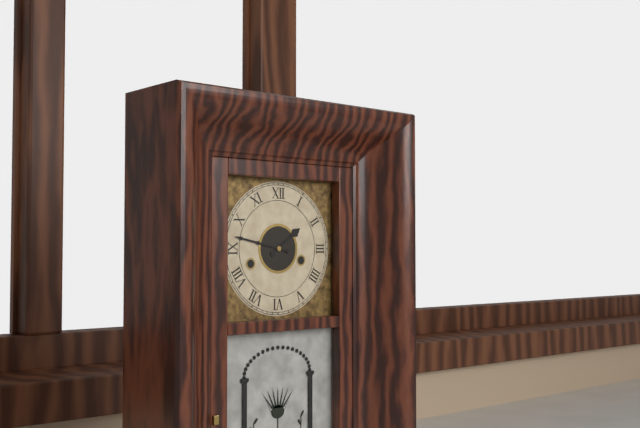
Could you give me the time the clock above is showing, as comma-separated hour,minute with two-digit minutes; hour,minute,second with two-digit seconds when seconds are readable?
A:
1,47
